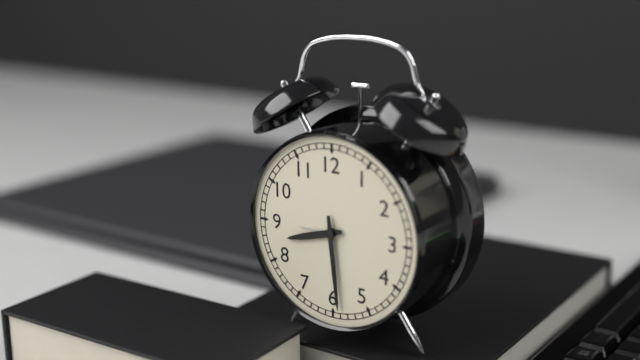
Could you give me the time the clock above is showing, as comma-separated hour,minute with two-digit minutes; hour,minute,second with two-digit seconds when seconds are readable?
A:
8,29
